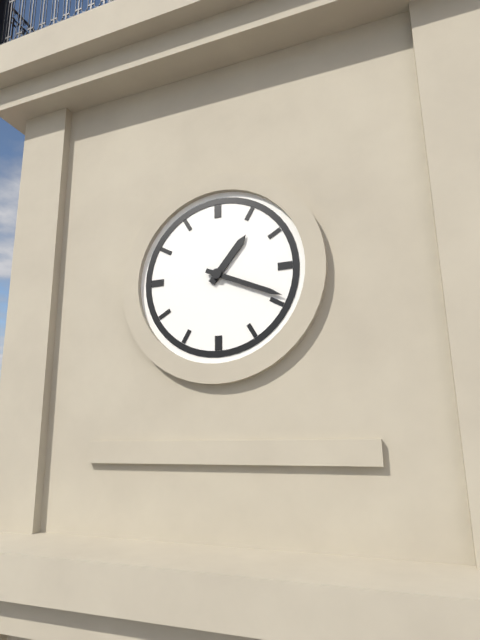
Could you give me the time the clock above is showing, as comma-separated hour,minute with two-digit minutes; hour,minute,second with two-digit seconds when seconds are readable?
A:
1,19
